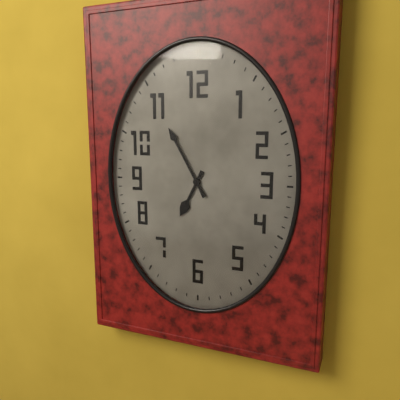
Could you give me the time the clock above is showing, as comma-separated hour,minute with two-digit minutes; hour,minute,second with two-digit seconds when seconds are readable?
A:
6,55
